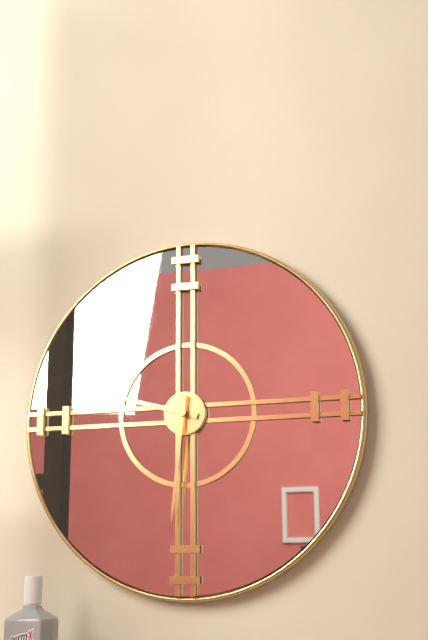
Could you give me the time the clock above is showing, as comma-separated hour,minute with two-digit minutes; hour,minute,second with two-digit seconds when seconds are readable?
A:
9,31
